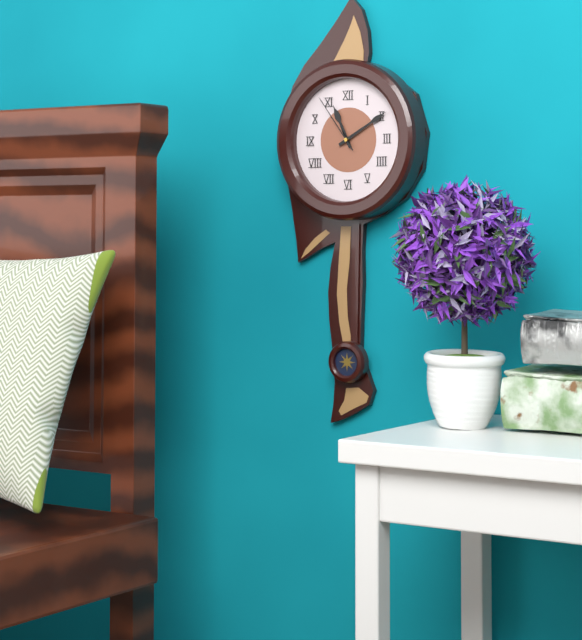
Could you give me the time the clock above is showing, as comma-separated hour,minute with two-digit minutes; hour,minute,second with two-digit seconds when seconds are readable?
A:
11,10,54
